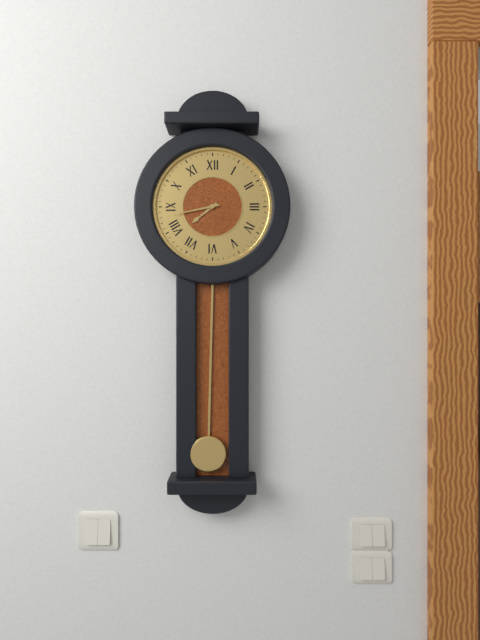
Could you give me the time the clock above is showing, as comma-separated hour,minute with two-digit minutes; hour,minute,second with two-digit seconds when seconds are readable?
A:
7,43
